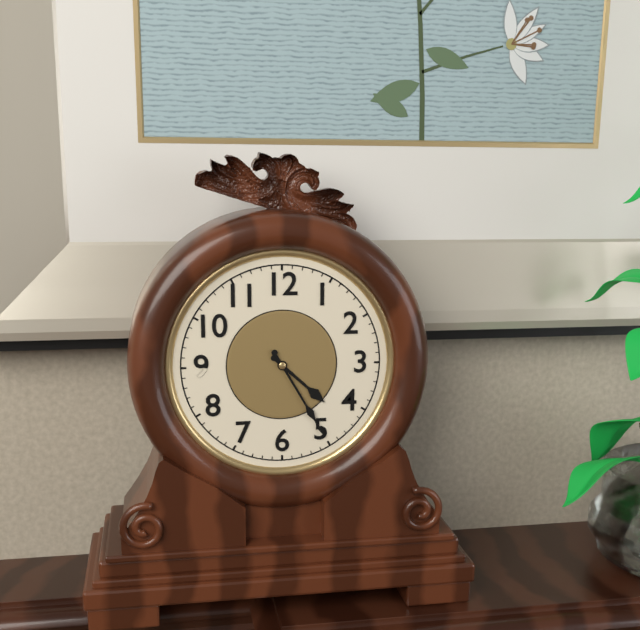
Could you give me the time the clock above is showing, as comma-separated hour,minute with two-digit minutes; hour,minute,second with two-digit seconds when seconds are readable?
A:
4,25
